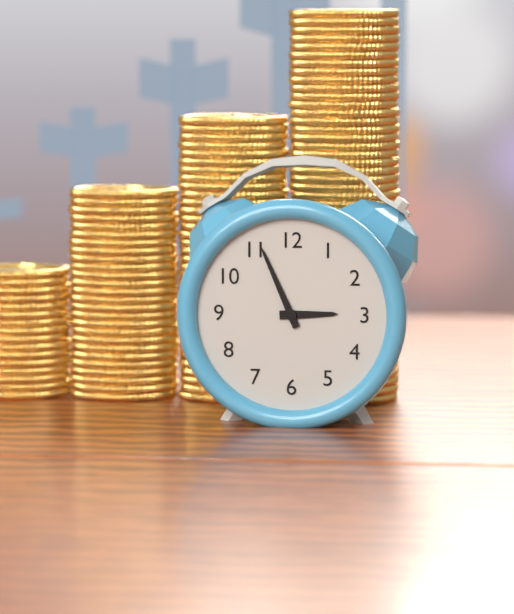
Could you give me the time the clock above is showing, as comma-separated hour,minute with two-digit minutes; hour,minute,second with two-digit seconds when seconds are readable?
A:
2,56
